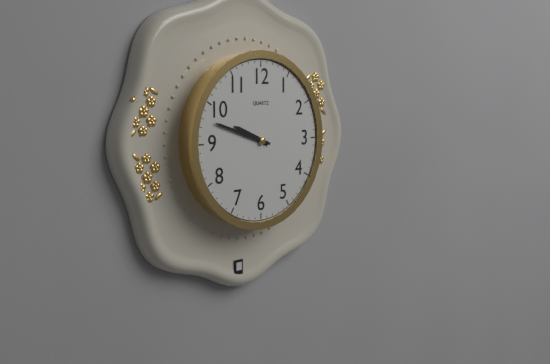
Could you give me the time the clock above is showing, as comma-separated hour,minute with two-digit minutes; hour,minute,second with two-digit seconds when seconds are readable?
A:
9,48
